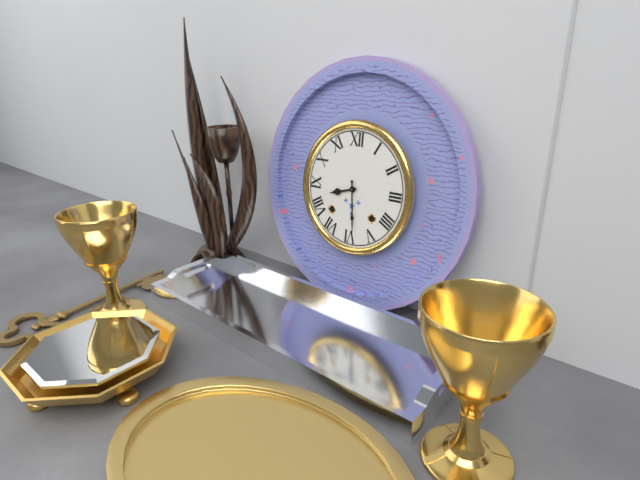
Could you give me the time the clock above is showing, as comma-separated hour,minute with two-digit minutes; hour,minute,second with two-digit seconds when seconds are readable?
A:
8,29
